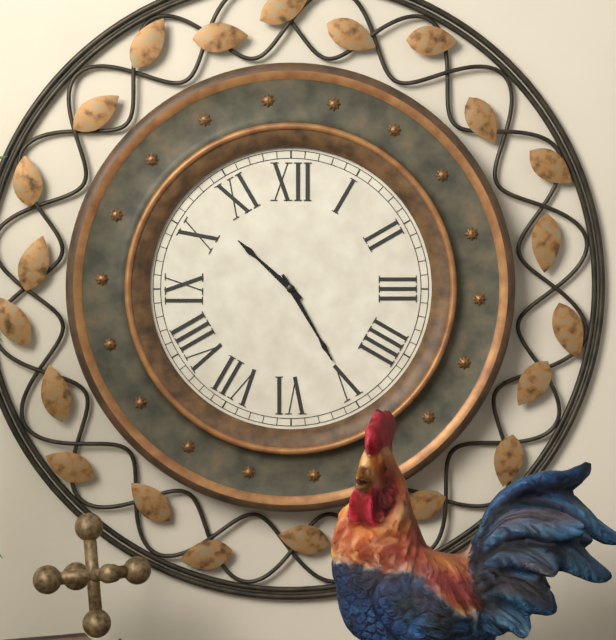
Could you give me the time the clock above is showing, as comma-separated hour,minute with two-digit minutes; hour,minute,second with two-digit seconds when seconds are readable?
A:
10,25
